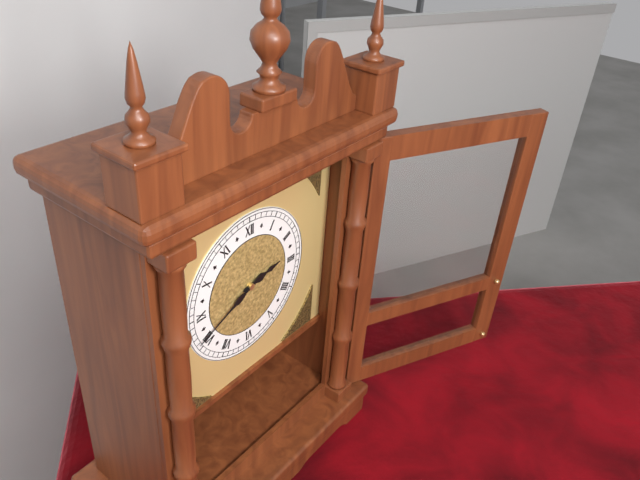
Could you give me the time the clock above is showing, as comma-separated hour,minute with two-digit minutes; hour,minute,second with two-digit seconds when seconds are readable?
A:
2,41
